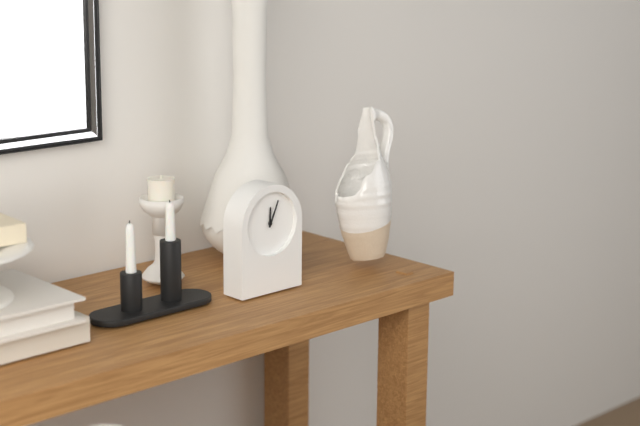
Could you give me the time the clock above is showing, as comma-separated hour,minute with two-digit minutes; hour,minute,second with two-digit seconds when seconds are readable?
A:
12,04
